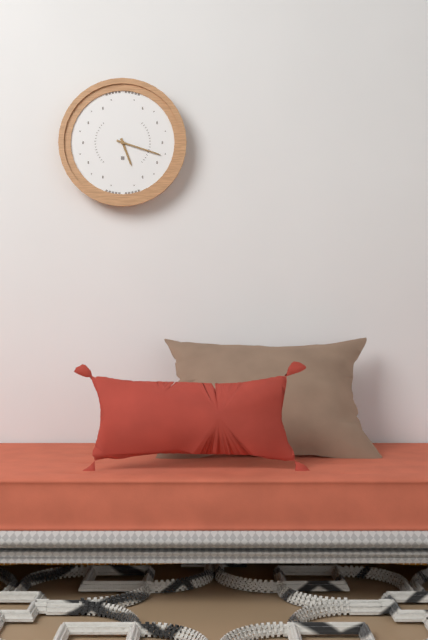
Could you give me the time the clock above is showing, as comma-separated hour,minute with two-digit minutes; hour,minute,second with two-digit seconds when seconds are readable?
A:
5,18
